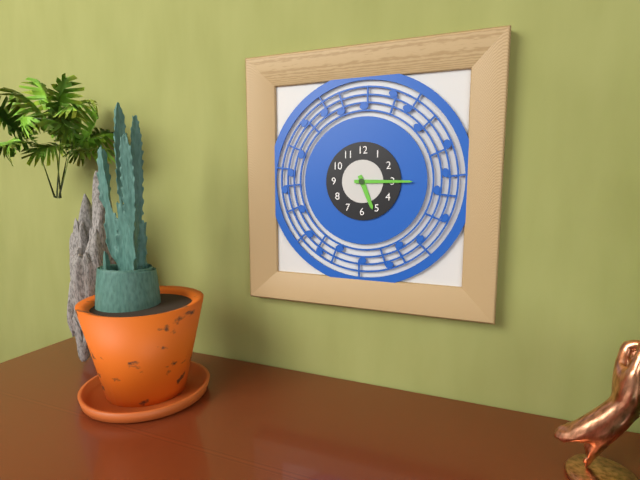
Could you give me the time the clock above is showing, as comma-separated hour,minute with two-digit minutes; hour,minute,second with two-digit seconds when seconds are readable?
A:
5,15
